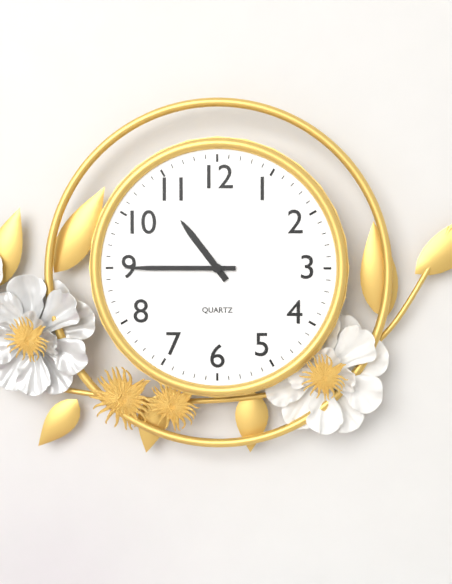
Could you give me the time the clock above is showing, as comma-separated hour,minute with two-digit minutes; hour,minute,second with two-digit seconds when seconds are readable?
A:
10,45
